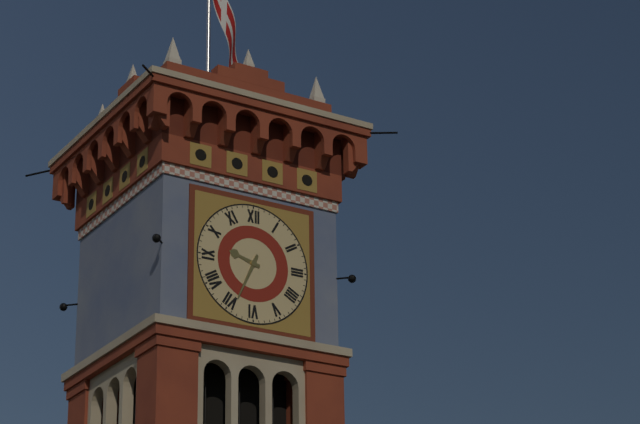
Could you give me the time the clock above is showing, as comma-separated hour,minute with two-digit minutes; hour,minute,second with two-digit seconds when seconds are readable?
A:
9,34
